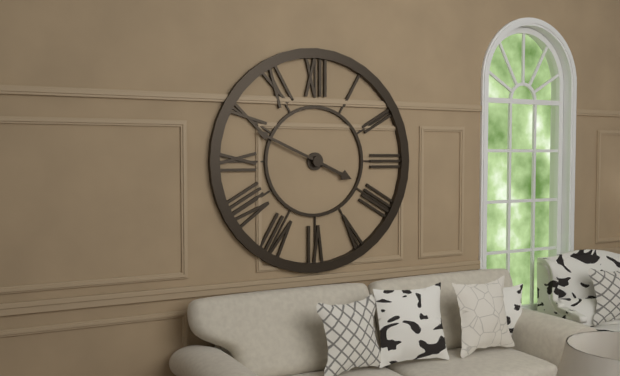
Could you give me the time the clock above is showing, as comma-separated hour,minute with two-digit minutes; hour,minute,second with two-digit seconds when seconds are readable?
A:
3,49
